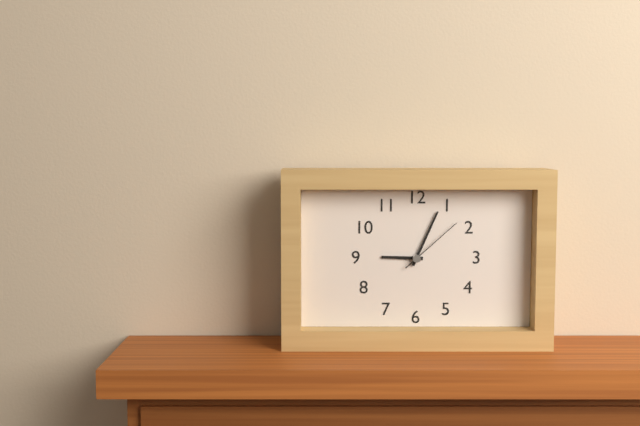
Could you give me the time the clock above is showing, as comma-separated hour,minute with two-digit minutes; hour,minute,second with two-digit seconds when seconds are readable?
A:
9,04,08
